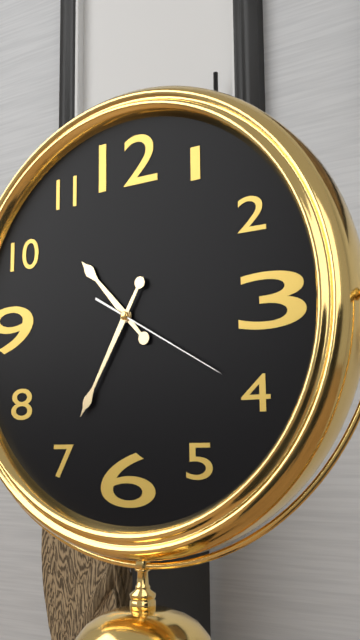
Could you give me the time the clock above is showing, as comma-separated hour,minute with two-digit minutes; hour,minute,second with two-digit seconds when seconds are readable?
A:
10,35,20
